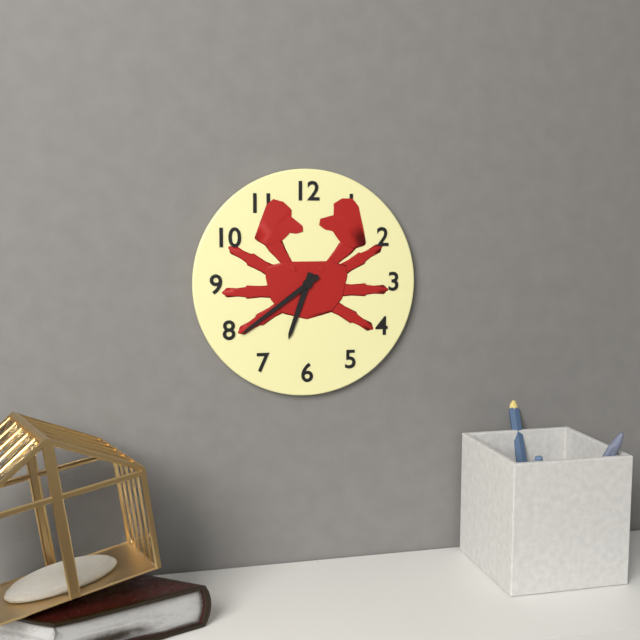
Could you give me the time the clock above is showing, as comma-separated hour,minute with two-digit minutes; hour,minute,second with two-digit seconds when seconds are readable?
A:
6,39
